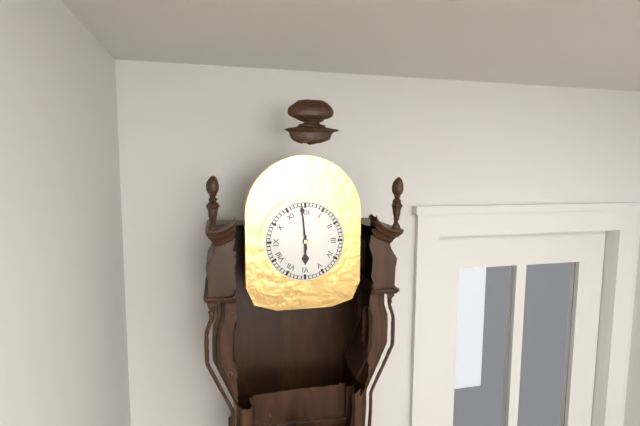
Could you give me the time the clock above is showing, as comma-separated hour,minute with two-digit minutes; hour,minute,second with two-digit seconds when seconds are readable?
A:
5,59
